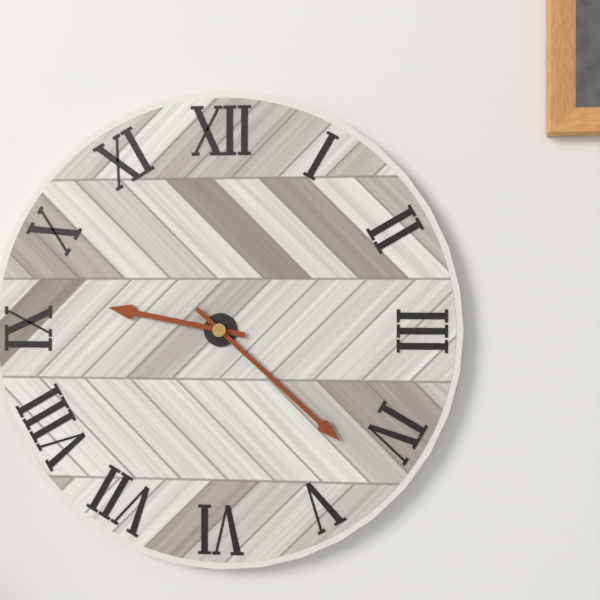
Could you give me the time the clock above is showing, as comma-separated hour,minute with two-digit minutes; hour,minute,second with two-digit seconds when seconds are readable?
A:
9,22
